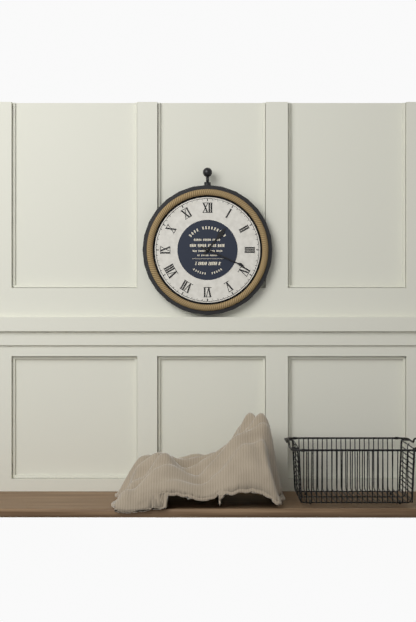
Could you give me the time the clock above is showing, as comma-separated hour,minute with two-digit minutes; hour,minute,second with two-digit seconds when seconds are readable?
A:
1,19
